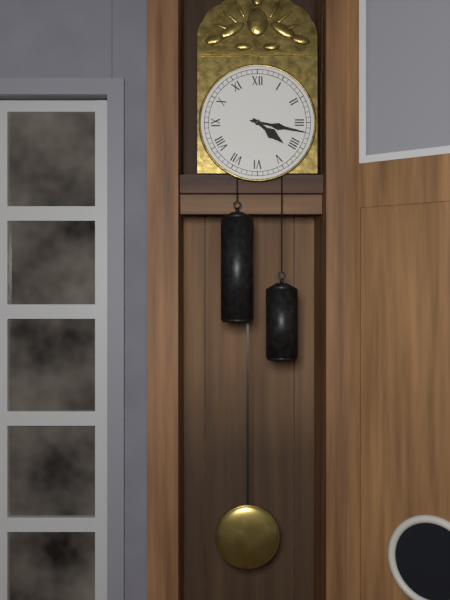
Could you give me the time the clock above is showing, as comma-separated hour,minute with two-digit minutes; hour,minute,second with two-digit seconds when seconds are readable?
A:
4,17
